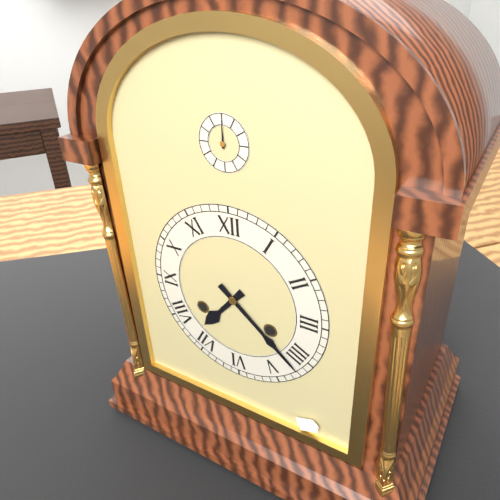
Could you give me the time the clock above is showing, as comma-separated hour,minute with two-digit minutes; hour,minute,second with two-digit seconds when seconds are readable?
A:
7,22
